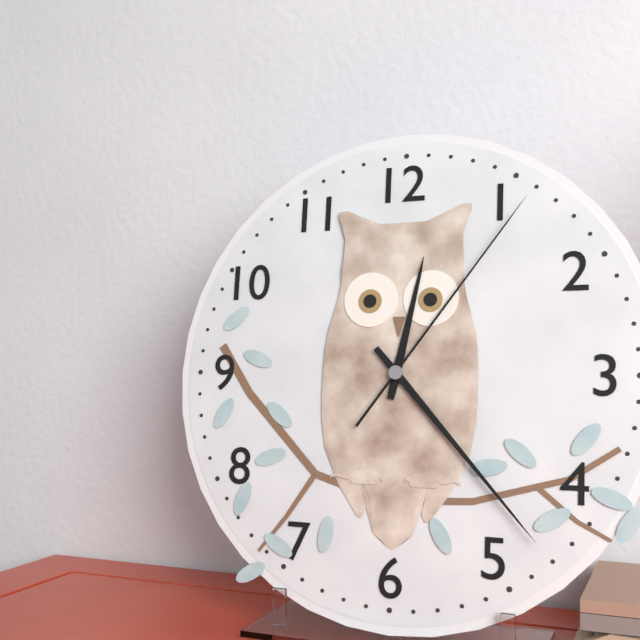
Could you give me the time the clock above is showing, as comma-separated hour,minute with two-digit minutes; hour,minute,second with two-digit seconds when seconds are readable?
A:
12,23,06
